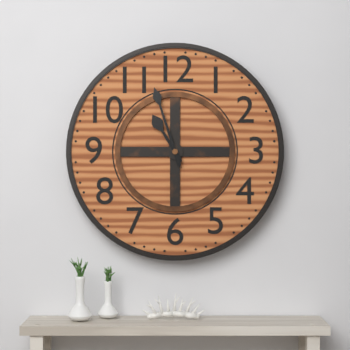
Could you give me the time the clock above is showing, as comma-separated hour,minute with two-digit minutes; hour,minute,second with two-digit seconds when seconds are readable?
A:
10,57
